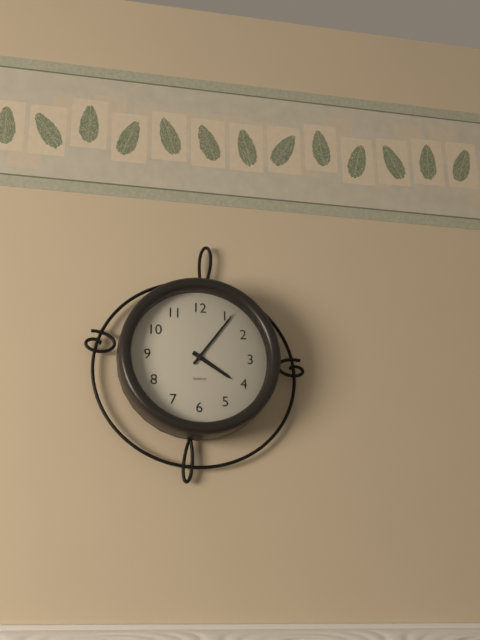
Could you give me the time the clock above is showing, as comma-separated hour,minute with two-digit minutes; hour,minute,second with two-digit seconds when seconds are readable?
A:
4,06
